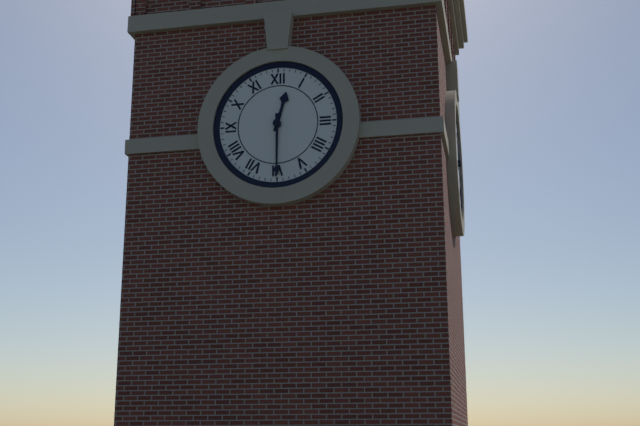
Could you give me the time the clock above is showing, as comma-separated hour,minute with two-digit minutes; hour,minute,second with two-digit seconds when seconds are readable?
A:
12,30
